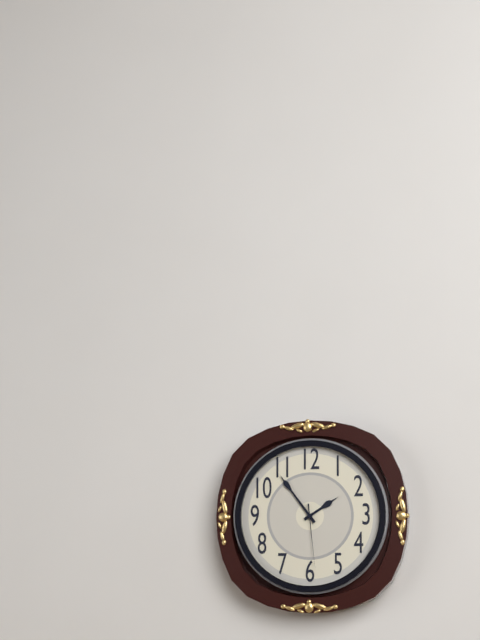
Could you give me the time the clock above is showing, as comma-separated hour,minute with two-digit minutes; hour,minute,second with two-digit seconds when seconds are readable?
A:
1,54,29
